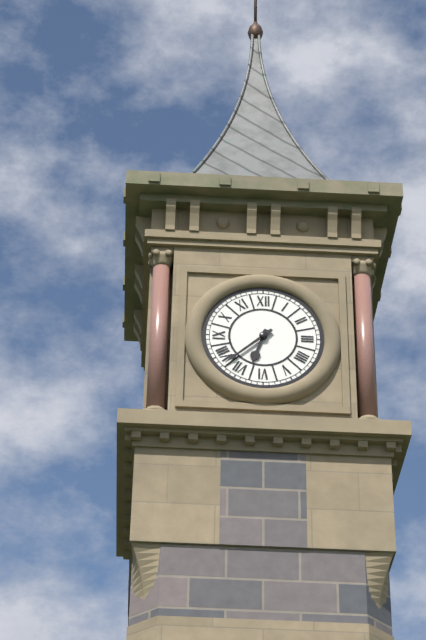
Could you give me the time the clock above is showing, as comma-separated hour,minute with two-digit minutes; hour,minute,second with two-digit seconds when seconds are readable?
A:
6,38
